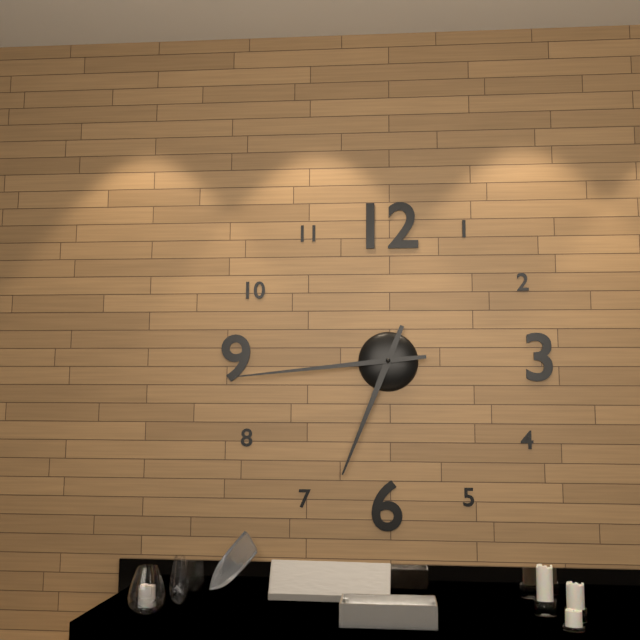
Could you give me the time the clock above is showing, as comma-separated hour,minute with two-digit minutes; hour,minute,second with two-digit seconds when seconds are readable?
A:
6,44
